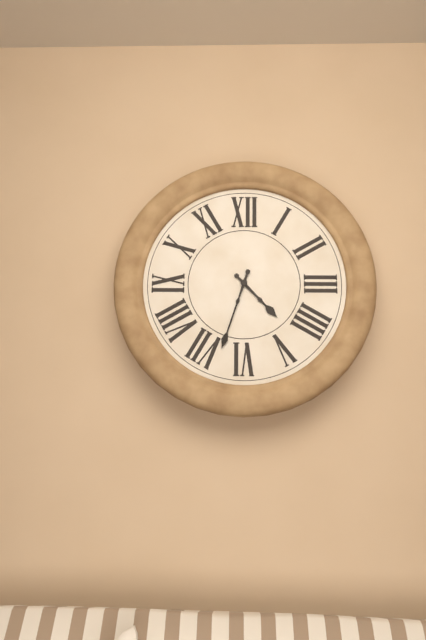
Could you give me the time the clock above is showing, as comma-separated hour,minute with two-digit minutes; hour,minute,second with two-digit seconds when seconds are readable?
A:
4,33
